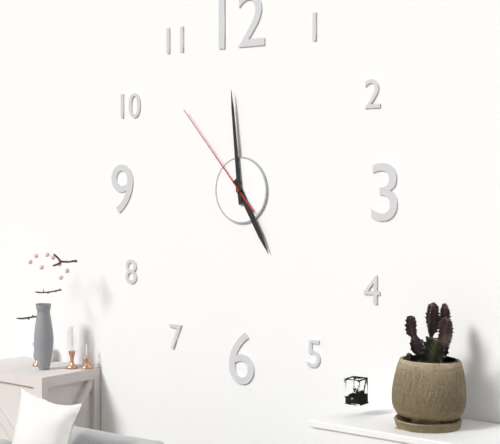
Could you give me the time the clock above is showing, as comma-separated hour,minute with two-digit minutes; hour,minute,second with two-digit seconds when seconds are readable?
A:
4,59,53
